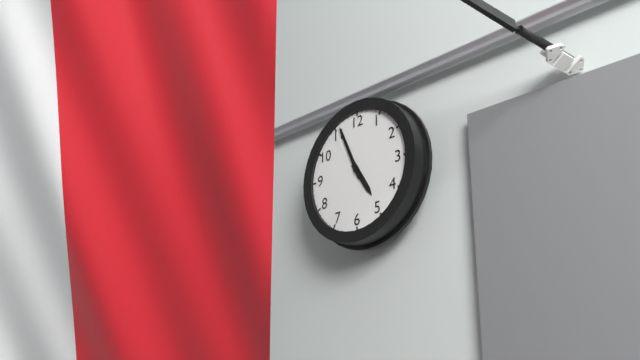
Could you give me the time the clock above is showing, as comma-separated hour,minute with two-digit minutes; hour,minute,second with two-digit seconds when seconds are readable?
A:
4,56
